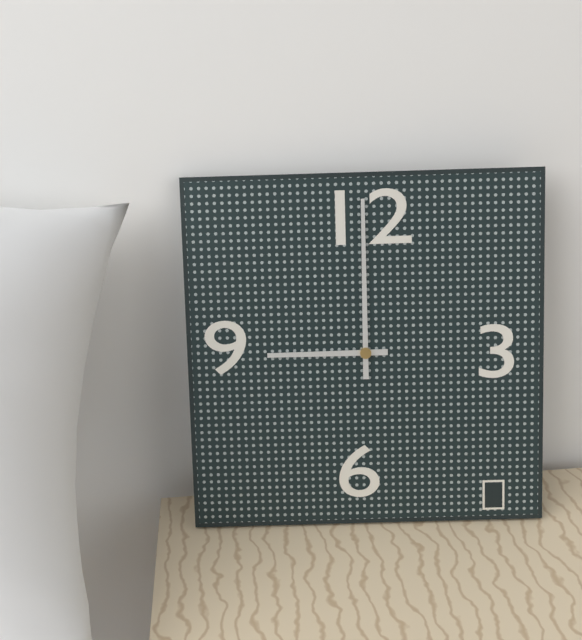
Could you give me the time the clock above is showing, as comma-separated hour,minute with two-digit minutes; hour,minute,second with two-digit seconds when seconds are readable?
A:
9,00
